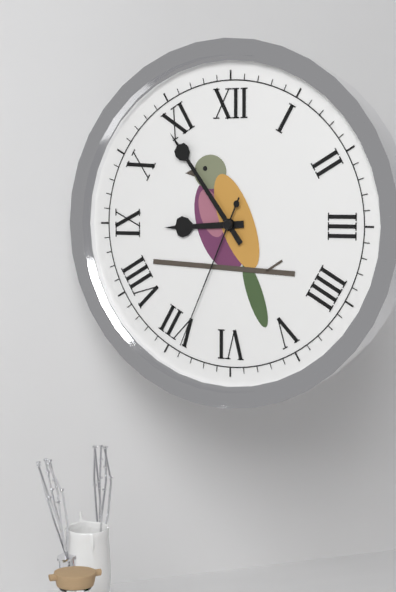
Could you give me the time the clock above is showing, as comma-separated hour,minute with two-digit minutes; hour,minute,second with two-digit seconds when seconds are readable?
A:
8,54,34
